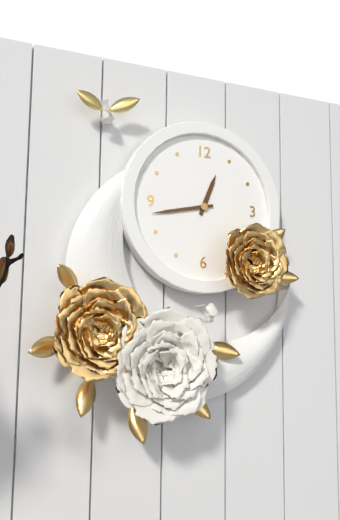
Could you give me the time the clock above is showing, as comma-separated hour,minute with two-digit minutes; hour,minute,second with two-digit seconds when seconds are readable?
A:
12,43
